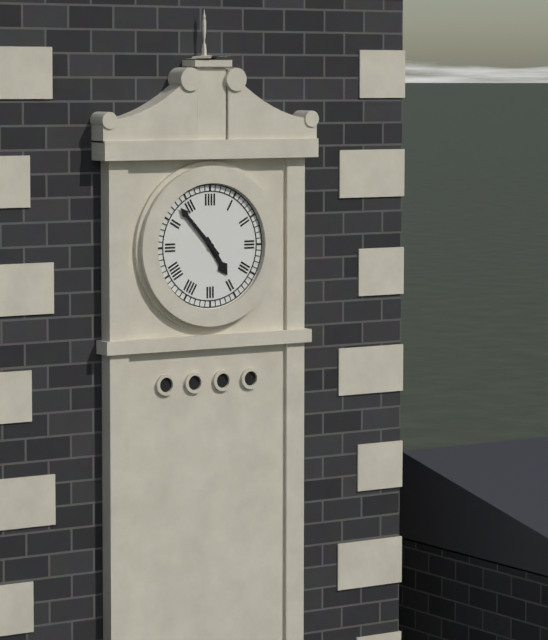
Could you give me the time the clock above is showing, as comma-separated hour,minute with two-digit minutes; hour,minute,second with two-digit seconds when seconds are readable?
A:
4,53
